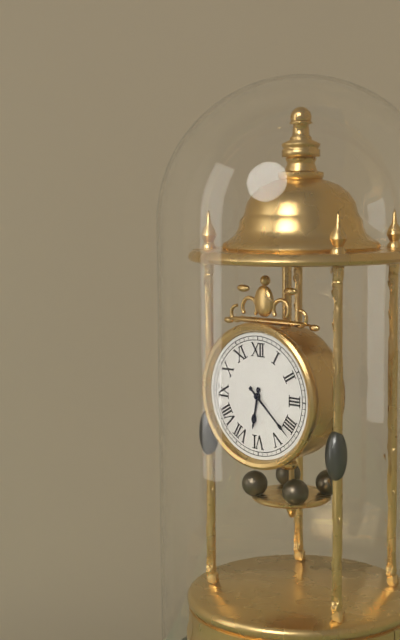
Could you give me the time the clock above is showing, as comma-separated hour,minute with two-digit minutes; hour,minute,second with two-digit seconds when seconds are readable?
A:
6,22
